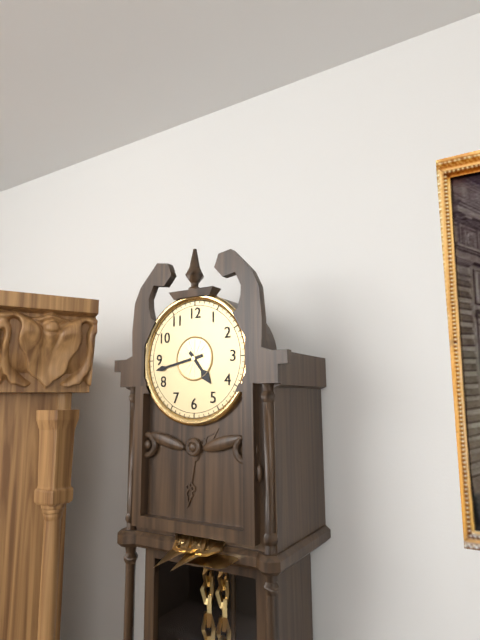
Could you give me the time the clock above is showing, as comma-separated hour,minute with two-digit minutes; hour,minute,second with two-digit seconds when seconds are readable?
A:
4,43
